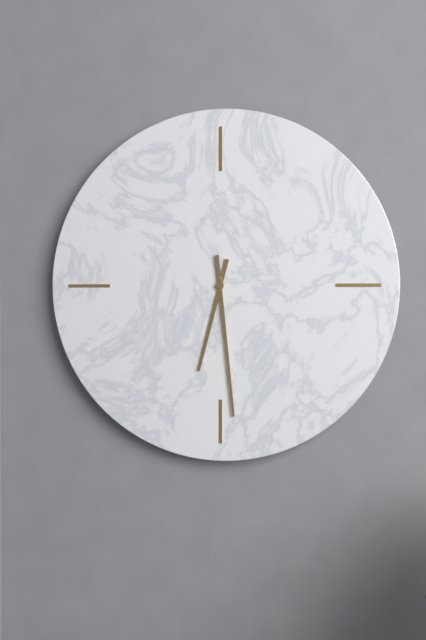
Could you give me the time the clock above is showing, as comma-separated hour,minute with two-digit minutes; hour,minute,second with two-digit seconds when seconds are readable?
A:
6,29
